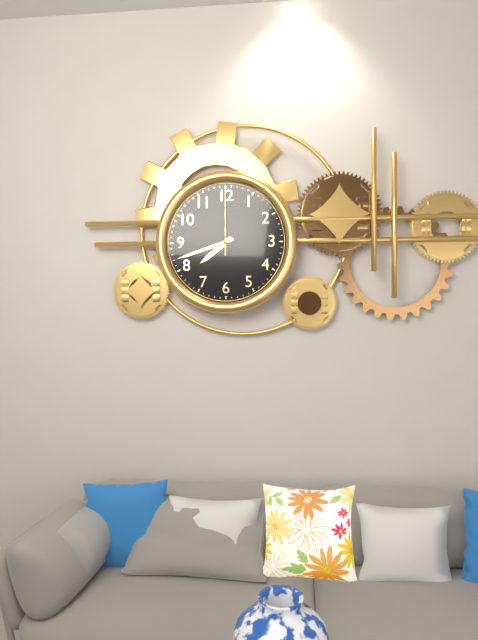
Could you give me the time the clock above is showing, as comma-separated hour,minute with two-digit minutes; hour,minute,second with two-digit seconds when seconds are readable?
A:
7,42,00
